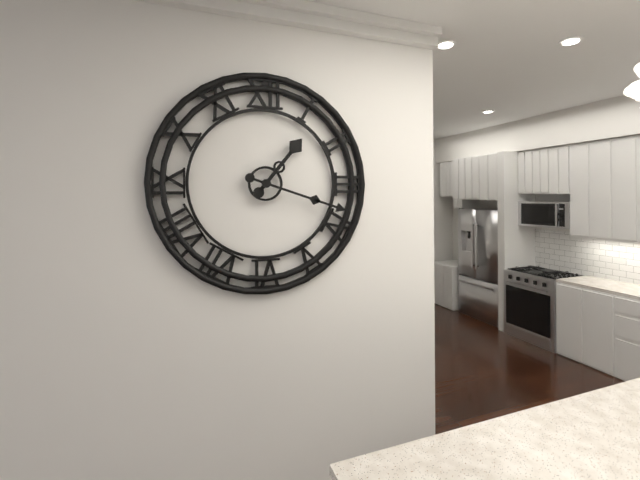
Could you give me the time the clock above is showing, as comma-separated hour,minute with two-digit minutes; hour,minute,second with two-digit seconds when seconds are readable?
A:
1,18
